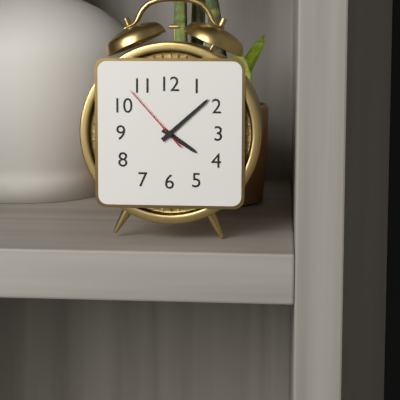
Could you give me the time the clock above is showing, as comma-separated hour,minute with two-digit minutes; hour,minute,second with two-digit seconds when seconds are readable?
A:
4,08,53
